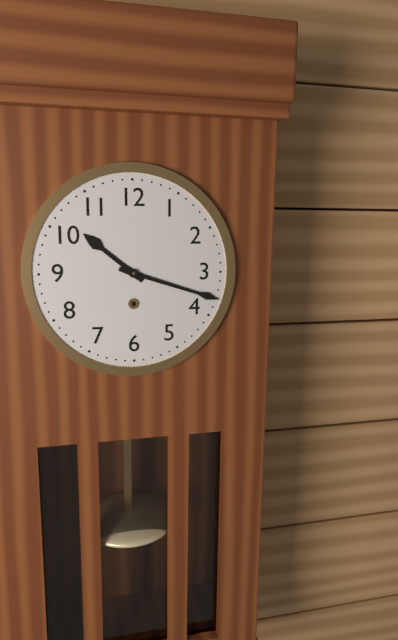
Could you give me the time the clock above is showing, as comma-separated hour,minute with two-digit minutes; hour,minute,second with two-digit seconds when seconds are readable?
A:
10,18
